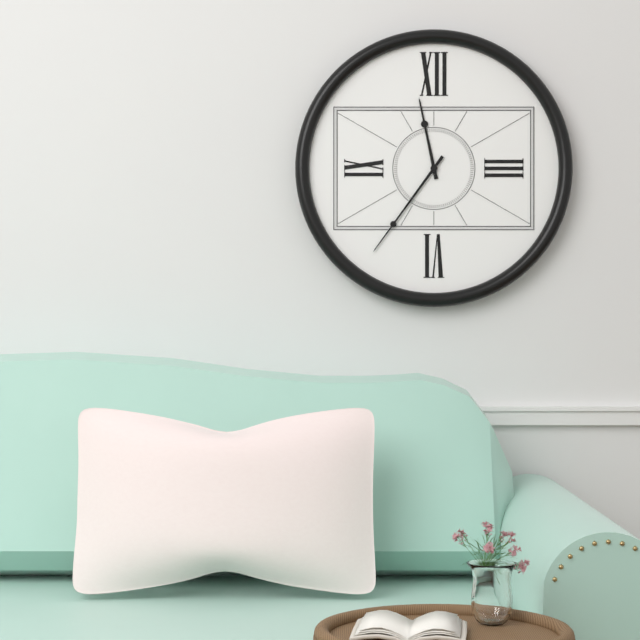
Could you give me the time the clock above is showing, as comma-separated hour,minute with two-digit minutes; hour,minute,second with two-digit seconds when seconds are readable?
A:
11,36
